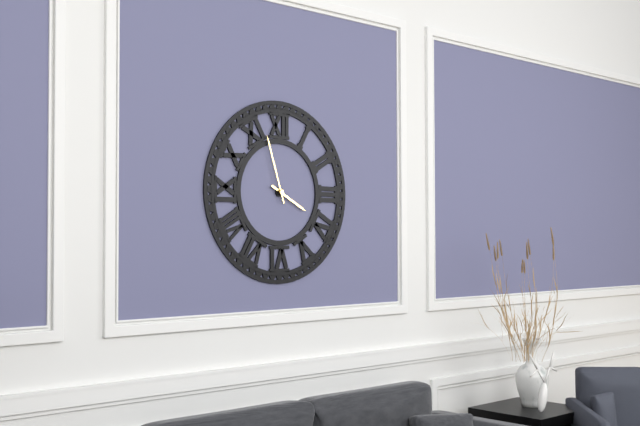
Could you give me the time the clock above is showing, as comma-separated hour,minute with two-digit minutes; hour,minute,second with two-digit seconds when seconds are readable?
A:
3,57
